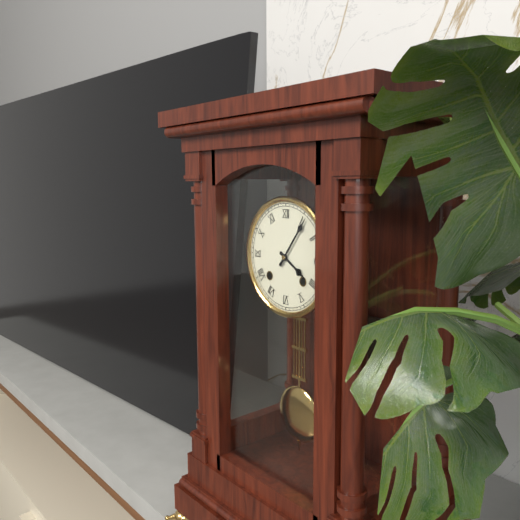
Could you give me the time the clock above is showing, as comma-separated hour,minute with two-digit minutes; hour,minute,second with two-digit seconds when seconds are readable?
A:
4,06
